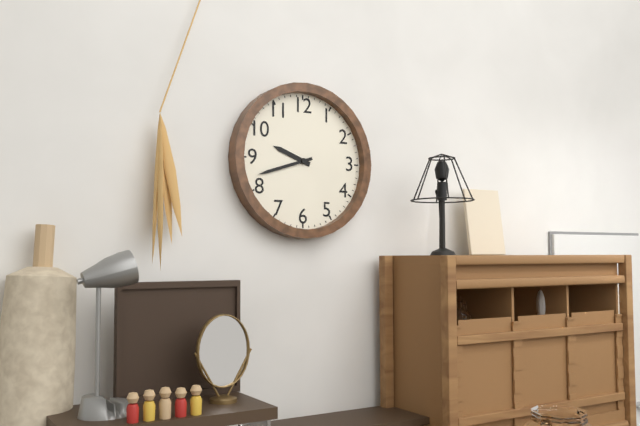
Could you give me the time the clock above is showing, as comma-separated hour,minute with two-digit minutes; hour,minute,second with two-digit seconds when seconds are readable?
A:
9,42
